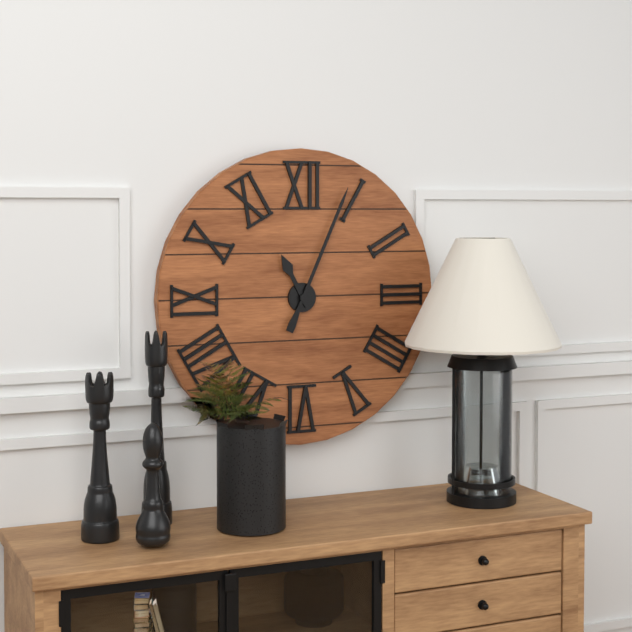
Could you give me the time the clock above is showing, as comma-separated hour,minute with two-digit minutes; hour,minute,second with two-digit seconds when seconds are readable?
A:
11,04
